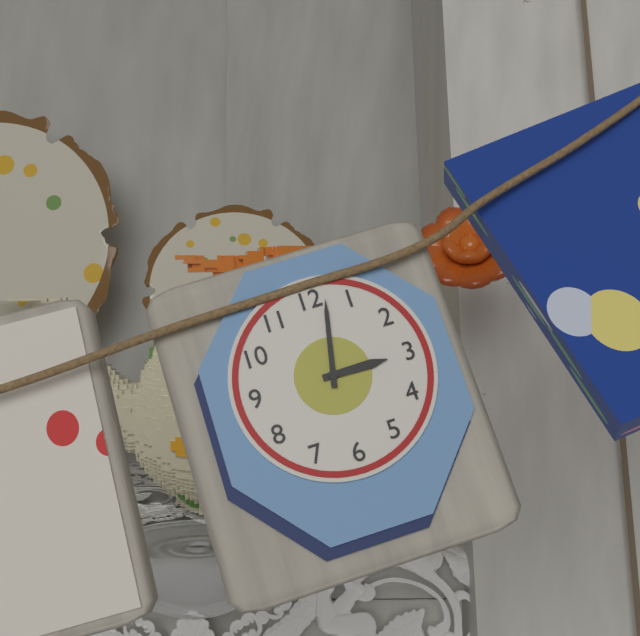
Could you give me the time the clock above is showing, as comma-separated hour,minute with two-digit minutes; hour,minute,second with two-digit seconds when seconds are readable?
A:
3,02
